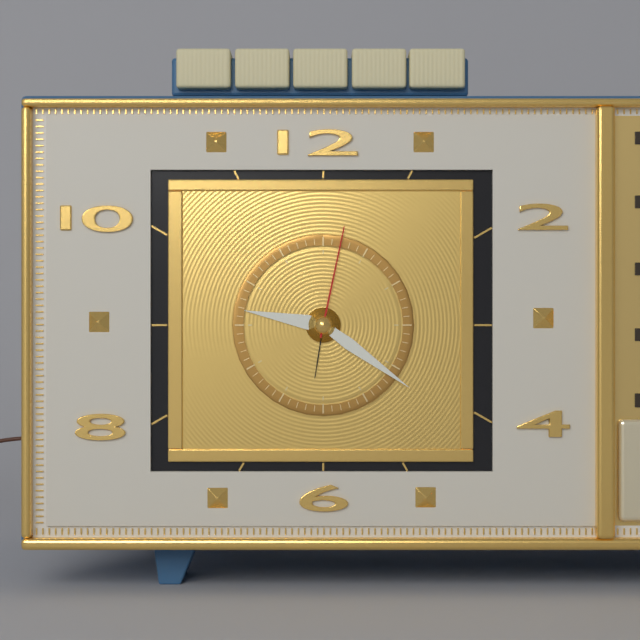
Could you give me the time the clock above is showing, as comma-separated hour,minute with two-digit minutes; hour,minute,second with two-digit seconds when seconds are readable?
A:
9,21,02
